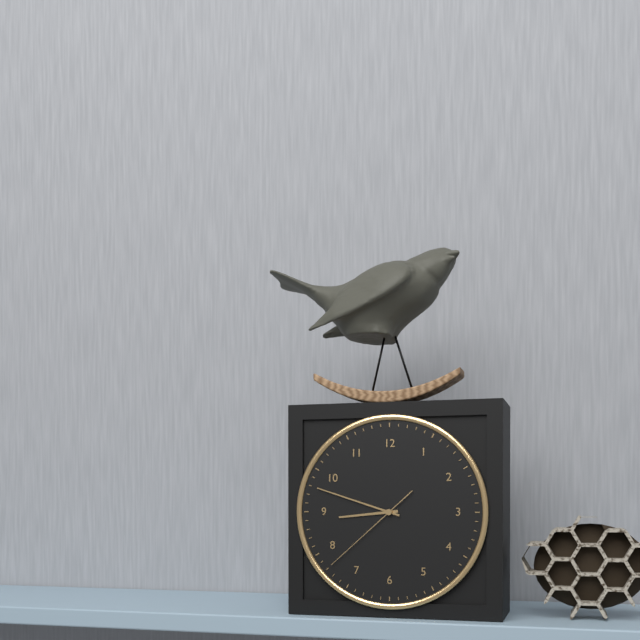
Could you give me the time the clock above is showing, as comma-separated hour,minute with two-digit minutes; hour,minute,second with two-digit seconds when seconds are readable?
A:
8,48,38
